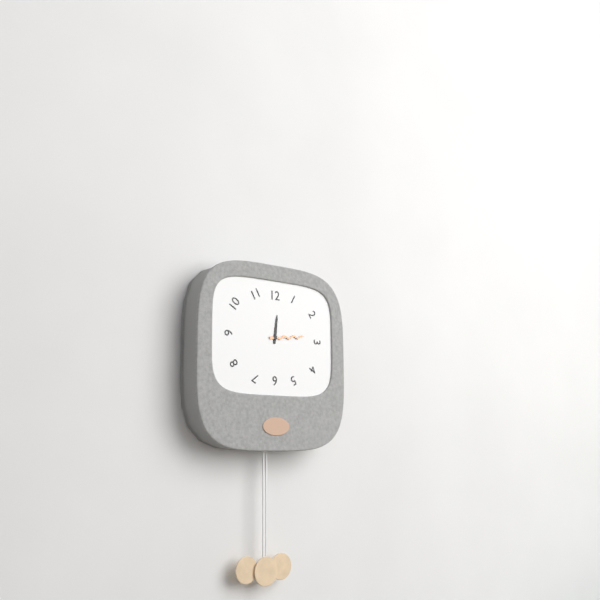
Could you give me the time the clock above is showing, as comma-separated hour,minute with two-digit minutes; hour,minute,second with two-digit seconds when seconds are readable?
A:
12,14
